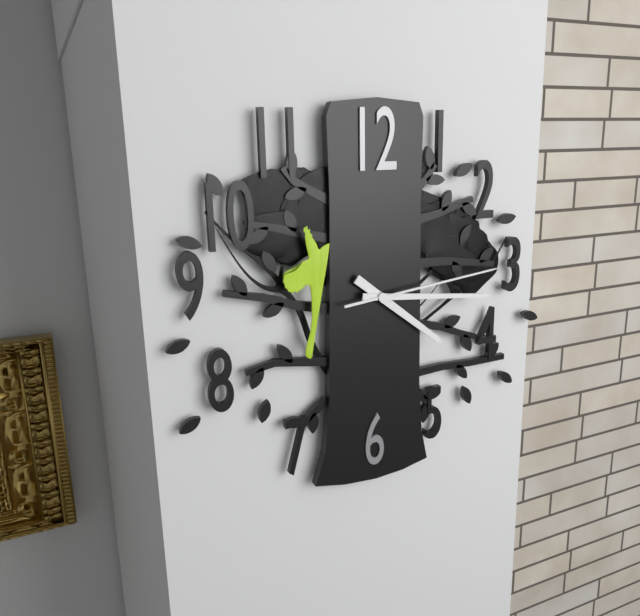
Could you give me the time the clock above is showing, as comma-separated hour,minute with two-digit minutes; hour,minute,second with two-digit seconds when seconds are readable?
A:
4,16,14
